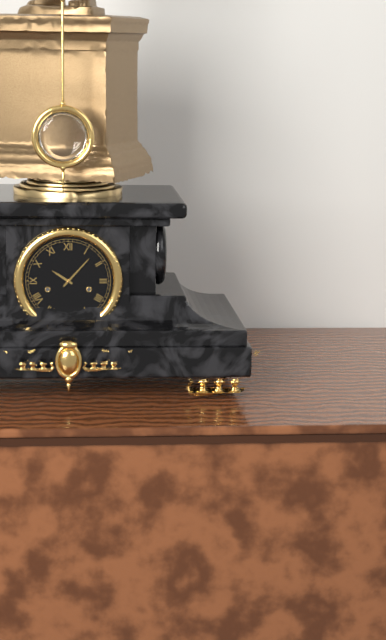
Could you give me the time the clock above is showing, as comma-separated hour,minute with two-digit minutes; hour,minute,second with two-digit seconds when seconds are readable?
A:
10,07
